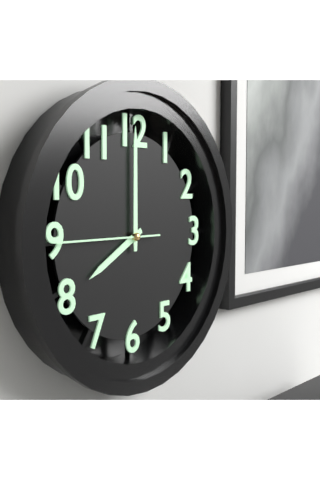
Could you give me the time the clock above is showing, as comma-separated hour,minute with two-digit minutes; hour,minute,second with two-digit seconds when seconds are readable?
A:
8,00,45
